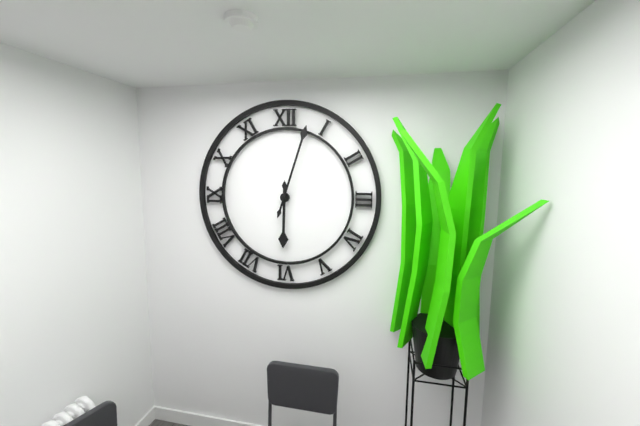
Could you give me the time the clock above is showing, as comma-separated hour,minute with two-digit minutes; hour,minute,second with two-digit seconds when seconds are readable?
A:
6,03
